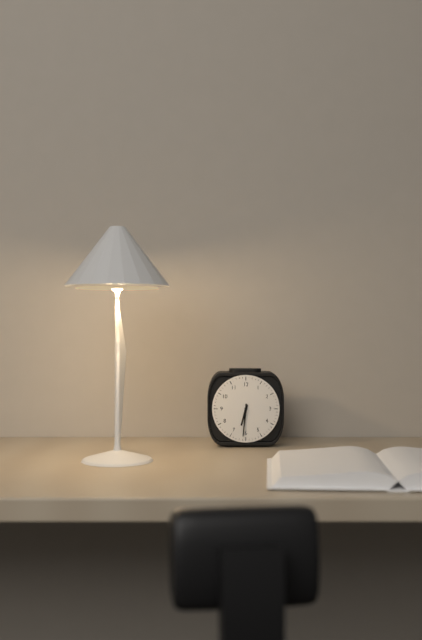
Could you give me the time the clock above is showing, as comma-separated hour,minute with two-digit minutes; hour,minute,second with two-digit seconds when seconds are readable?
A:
6,31
